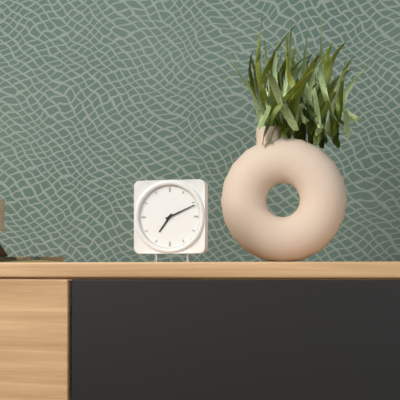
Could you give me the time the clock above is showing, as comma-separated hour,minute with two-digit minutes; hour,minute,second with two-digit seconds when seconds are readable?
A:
7,11
